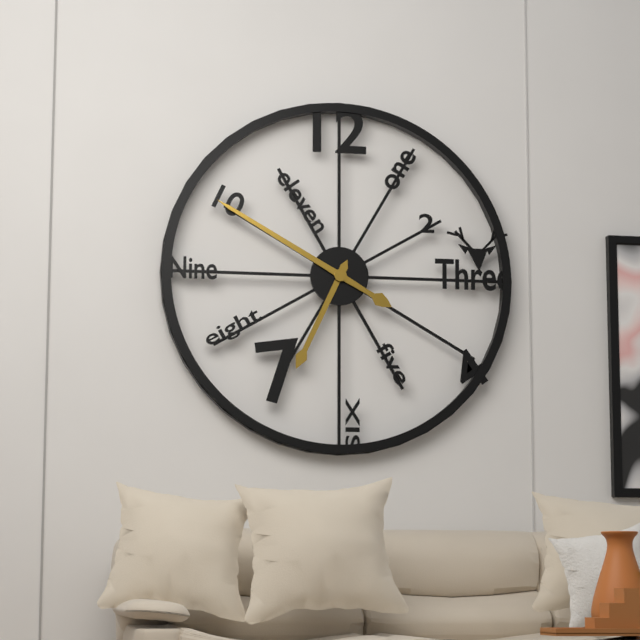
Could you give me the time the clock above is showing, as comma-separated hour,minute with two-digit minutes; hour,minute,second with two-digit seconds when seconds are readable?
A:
6,50
